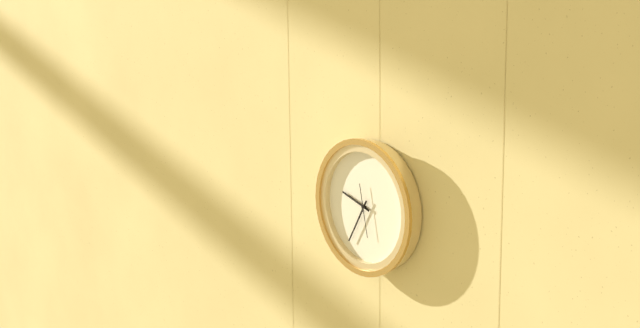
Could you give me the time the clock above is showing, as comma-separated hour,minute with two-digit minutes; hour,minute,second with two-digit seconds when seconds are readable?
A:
9,35
